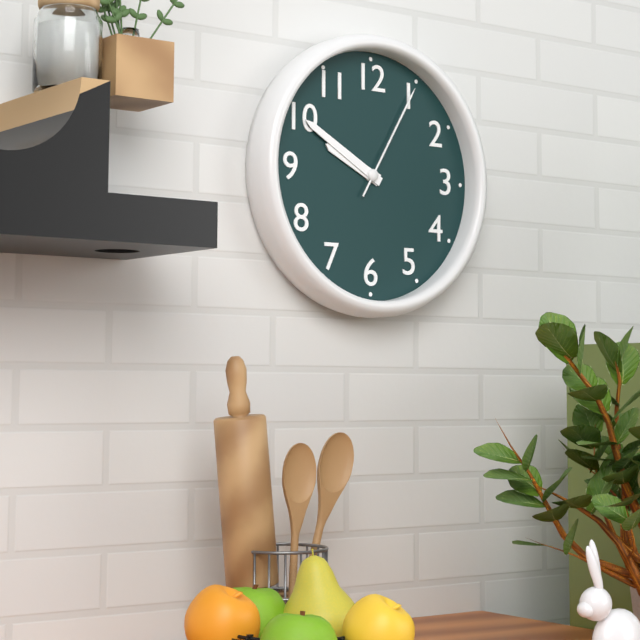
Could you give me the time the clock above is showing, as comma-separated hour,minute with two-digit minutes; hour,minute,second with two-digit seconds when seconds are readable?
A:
9,50,05
